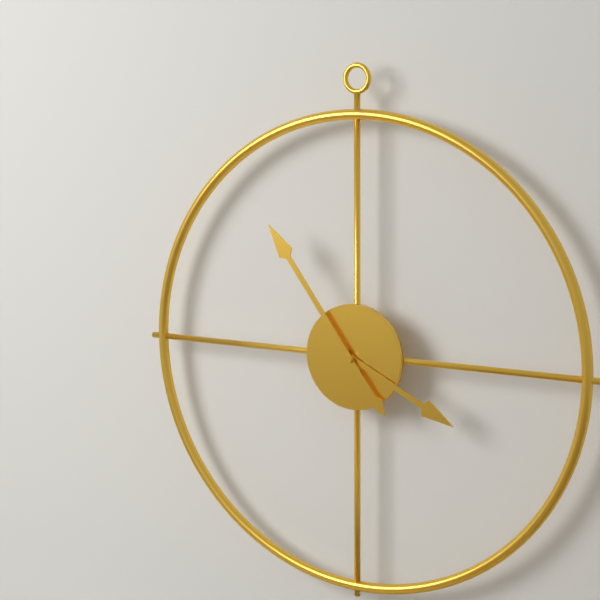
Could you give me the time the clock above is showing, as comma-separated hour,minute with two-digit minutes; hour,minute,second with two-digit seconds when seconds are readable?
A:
3,54
